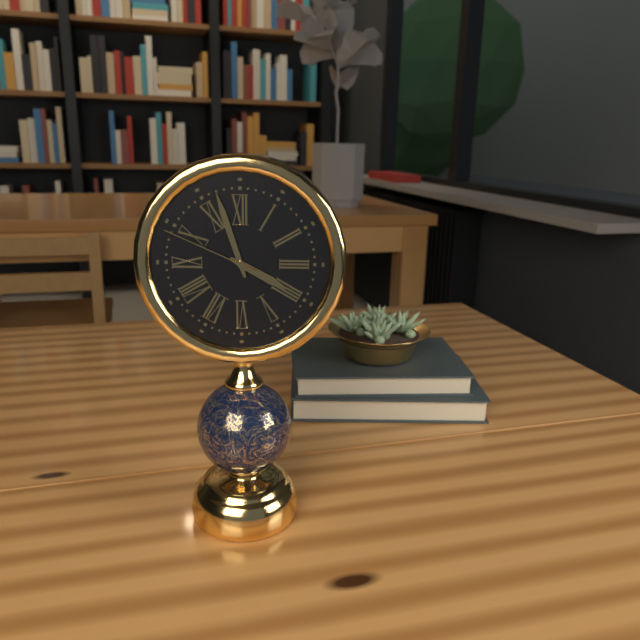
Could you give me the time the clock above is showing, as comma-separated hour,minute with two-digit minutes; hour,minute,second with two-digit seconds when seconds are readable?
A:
3,57,49
